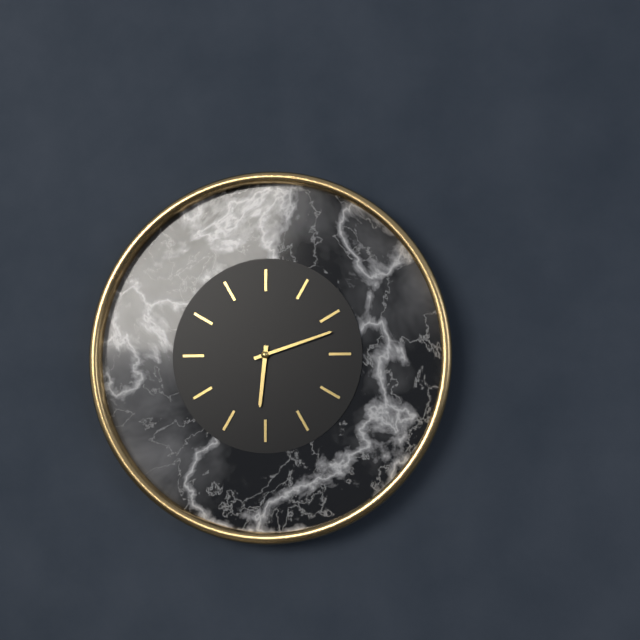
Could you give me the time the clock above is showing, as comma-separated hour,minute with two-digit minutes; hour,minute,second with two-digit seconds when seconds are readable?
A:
6,12
